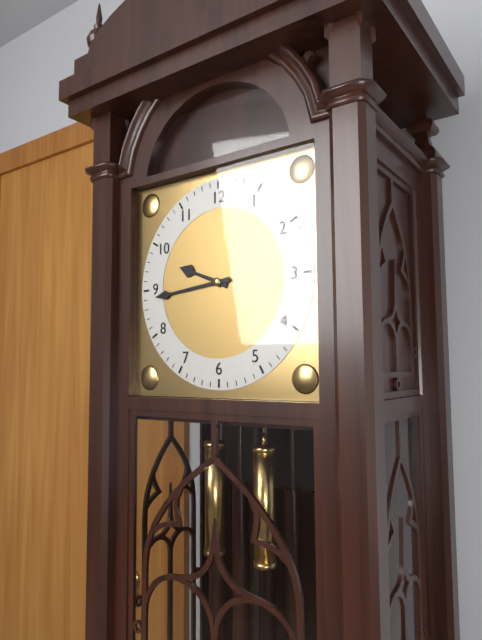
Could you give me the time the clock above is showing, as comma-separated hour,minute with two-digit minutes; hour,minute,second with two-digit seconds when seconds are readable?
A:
9,44
